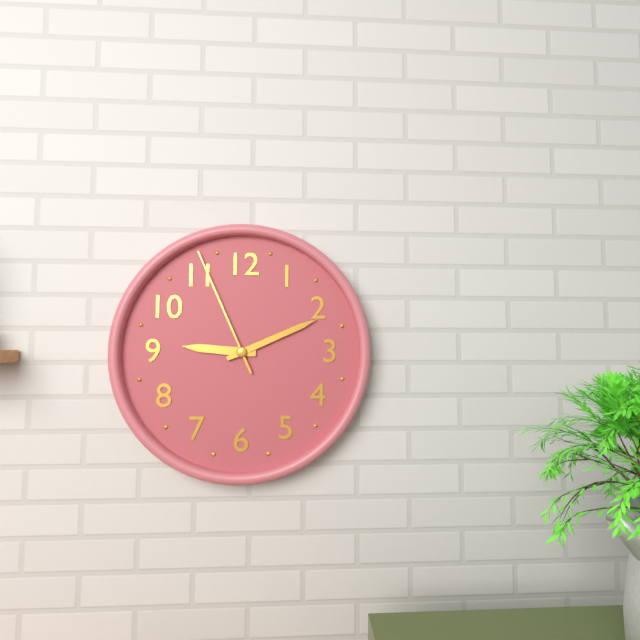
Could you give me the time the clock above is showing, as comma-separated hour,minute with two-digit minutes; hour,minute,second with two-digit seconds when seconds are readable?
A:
9,11,56
